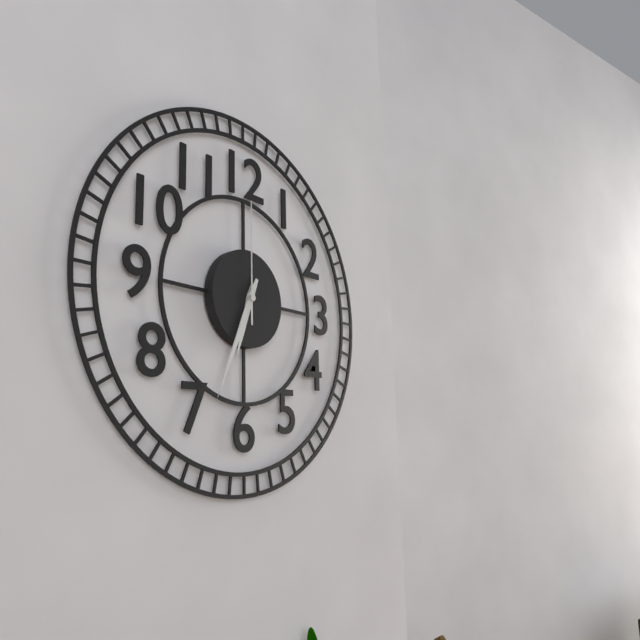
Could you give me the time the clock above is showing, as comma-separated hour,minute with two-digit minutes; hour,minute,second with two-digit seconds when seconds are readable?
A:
6,34,00
